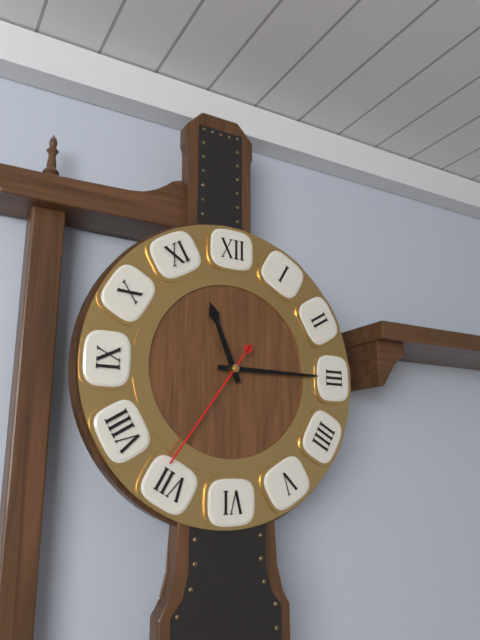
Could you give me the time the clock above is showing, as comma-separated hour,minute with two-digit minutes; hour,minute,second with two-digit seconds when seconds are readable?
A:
11,15,36
